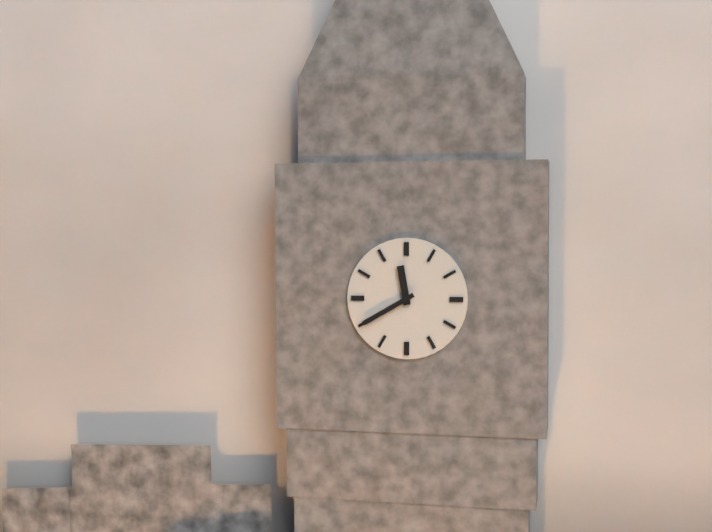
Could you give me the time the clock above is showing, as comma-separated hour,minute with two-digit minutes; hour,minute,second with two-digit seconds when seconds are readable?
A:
11,40
